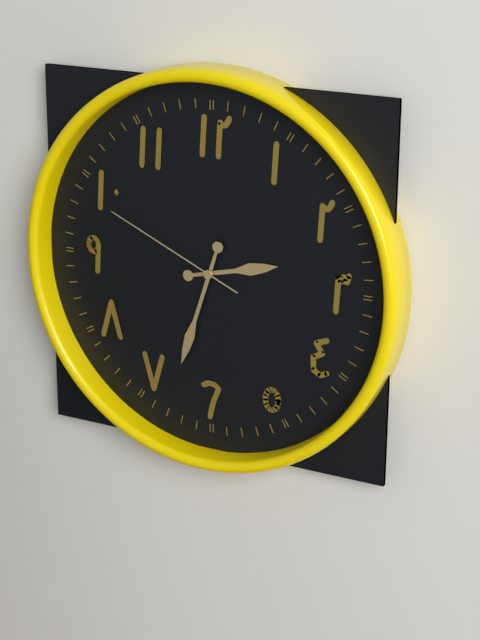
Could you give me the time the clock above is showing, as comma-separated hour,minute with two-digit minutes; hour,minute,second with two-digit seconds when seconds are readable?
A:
2,33,49
